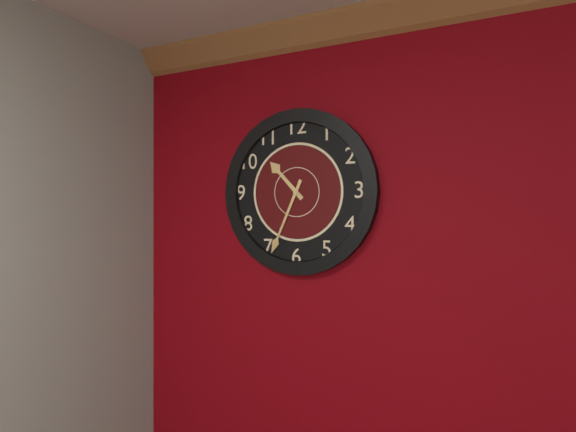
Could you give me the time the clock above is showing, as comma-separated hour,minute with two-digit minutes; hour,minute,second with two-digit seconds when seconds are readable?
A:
10,34
